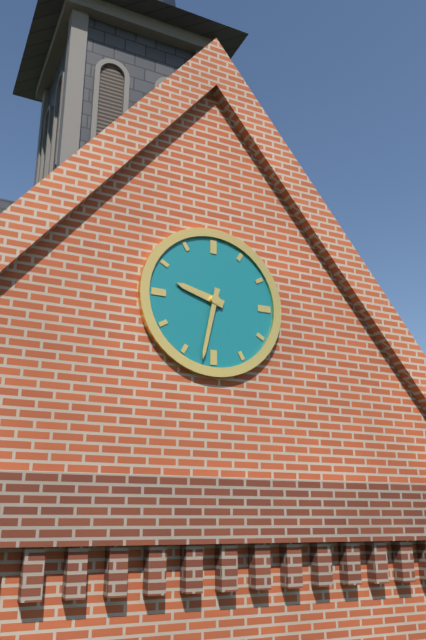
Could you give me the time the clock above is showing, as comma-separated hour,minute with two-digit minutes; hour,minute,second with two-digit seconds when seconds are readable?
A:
9,32
